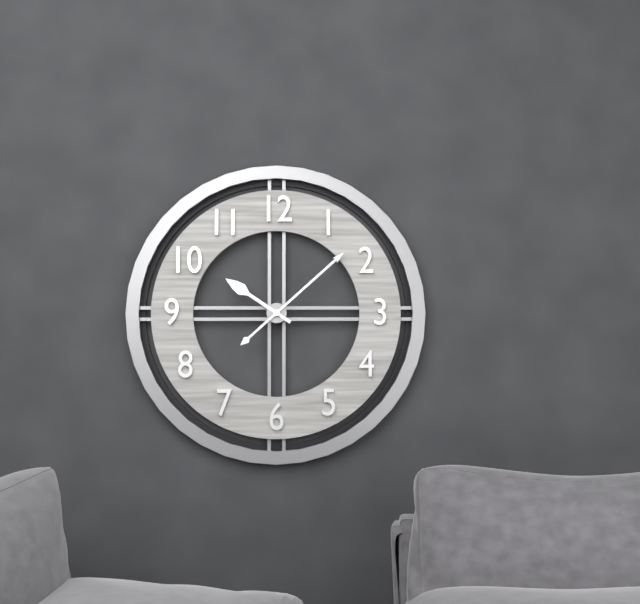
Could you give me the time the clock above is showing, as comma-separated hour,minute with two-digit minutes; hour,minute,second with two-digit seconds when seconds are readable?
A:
10,08
